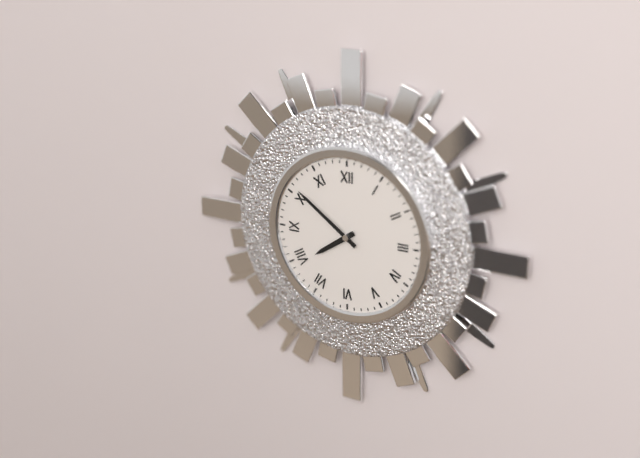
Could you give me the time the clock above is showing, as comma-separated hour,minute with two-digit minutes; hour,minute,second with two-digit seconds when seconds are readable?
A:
7,51
